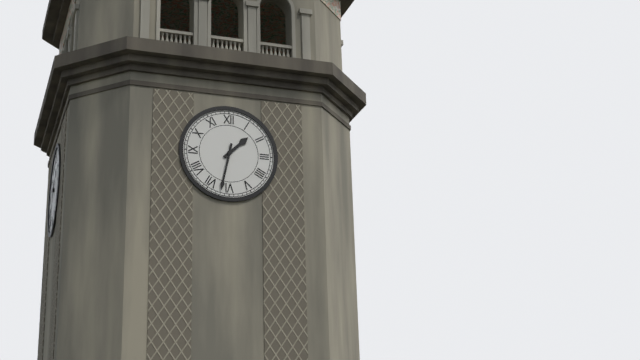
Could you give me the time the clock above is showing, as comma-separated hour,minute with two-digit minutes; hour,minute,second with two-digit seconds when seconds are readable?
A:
1,32
